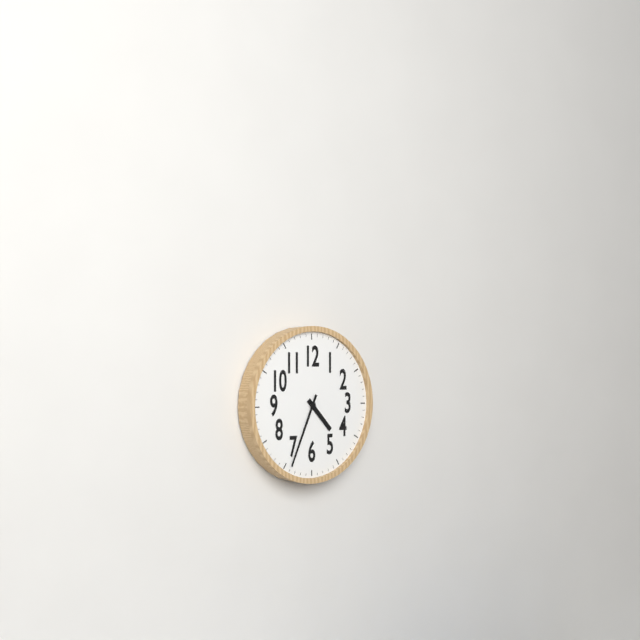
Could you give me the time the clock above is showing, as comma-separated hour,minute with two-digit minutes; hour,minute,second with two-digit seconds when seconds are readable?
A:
4,34
